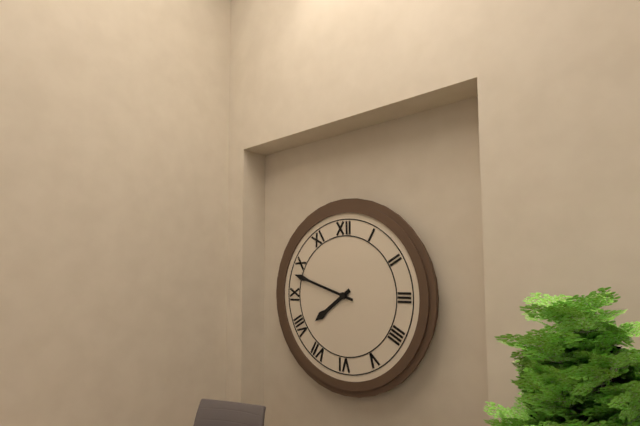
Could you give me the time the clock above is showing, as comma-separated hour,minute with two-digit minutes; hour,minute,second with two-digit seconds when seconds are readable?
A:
7,48
